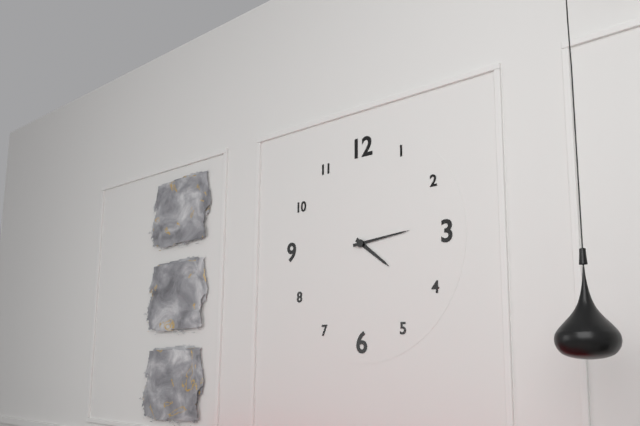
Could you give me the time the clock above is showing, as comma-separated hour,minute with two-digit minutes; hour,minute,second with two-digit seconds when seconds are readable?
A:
4,14
